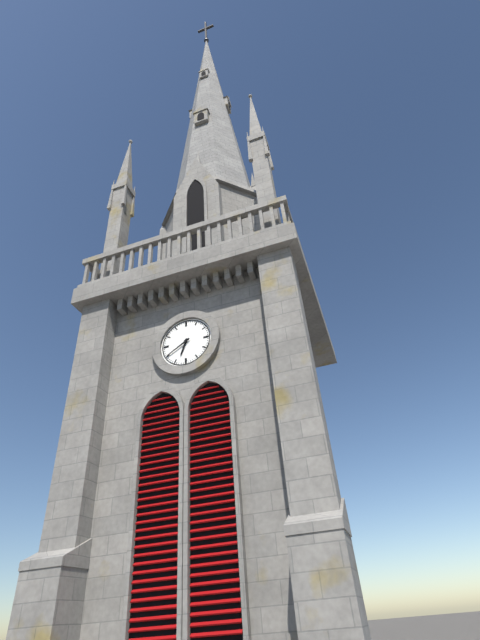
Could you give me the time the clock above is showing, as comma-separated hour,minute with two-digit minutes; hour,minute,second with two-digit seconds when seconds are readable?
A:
6,40
